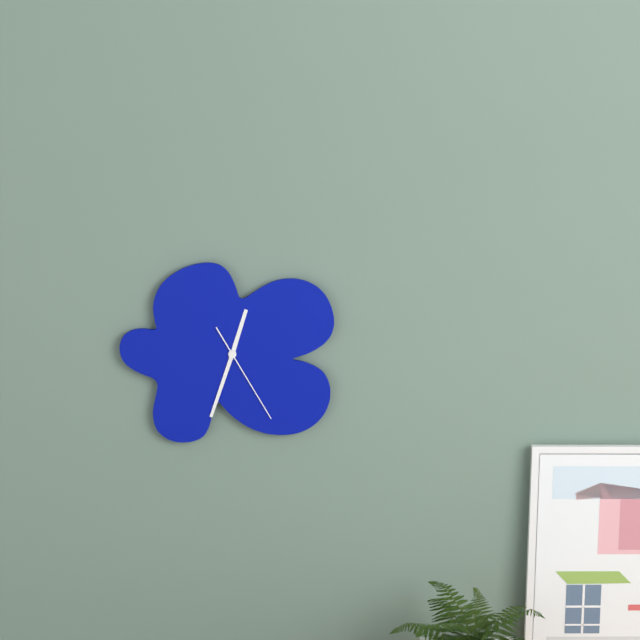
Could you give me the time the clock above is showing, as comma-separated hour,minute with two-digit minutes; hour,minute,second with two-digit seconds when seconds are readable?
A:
12,33,25
